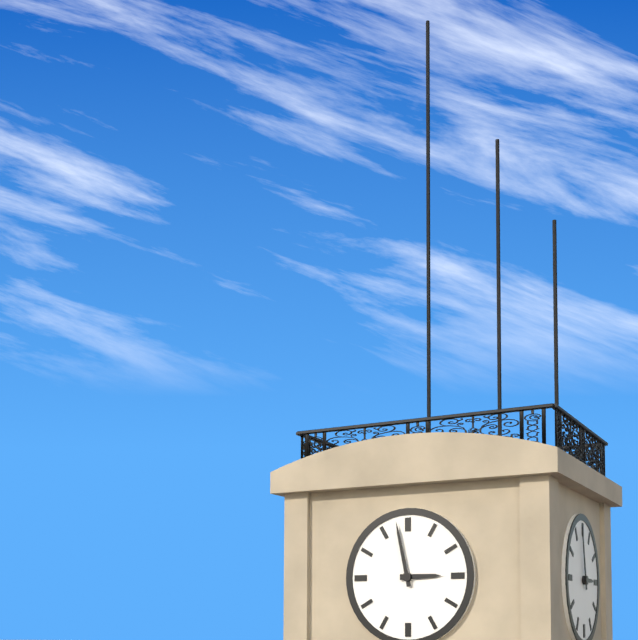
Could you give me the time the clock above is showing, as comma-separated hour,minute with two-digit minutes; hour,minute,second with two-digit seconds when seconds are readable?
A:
2,58
